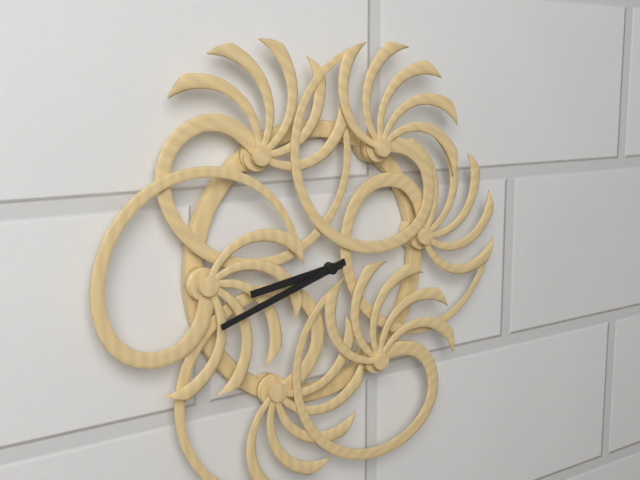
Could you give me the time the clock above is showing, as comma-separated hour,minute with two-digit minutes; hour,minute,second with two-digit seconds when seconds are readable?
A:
8,42
